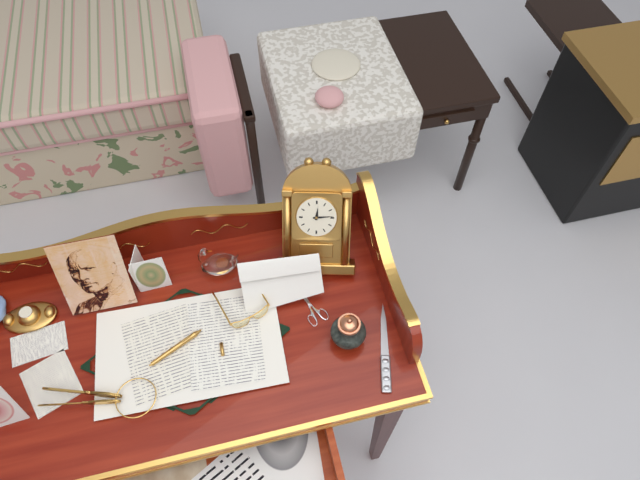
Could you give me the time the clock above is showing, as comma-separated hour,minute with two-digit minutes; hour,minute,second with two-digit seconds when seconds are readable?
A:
12,14
